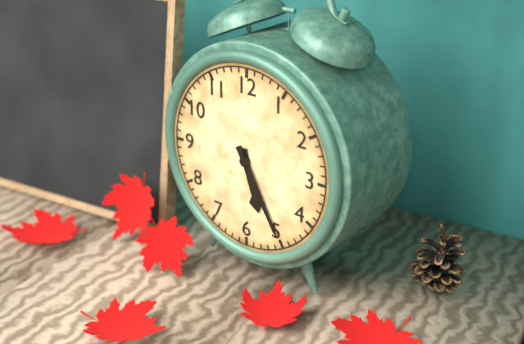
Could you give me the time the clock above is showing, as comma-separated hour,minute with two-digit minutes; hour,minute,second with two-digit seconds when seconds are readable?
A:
5,25
